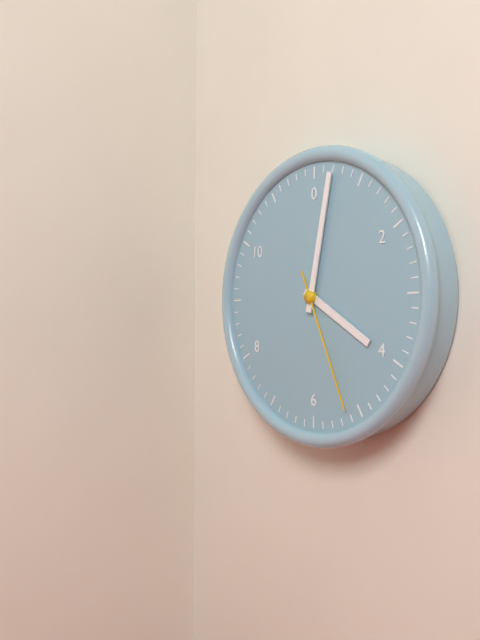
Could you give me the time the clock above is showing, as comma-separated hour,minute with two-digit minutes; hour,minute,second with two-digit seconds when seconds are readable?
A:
4,02,26
